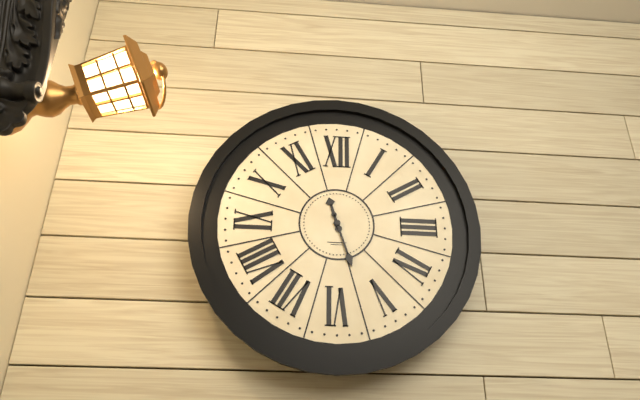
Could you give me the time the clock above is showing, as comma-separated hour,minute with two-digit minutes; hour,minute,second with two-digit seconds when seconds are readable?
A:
11,27
